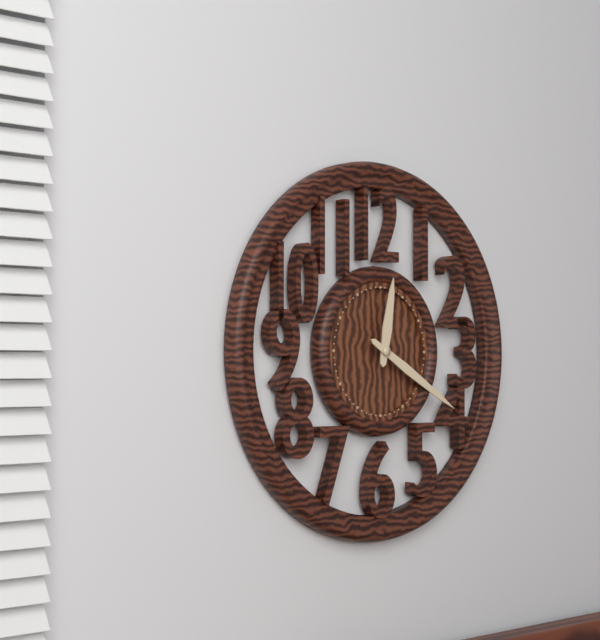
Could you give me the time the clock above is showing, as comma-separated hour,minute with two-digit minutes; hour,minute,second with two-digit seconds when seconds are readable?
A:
12,20
